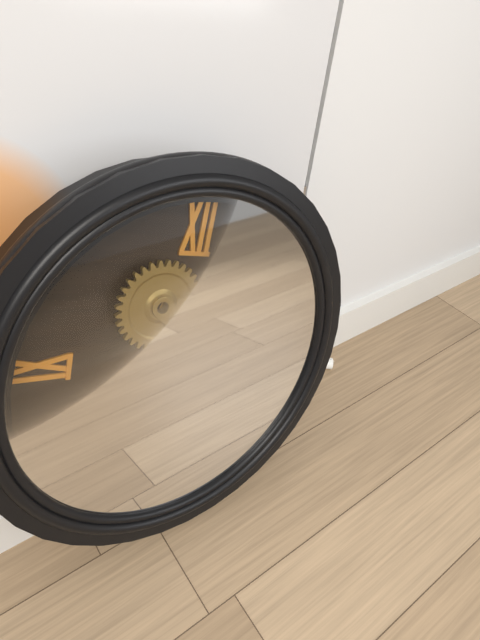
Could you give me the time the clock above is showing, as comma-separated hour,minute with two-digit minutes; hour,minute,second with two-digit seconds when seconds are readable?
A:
8,39
